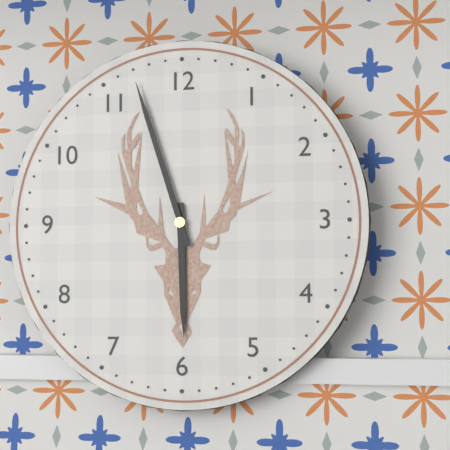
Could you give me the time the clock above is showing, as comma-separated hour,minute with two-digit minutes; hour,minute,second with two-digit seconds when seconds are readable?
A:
5,57
